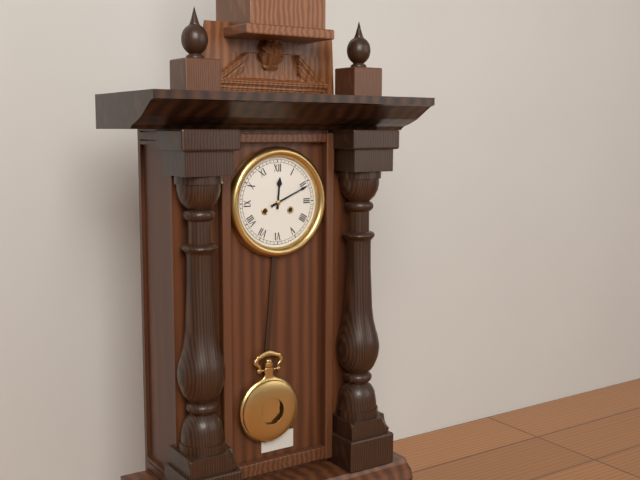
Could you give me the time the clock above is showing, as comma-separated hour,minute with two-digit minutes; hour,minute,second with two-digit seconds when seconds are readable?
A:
12,11
